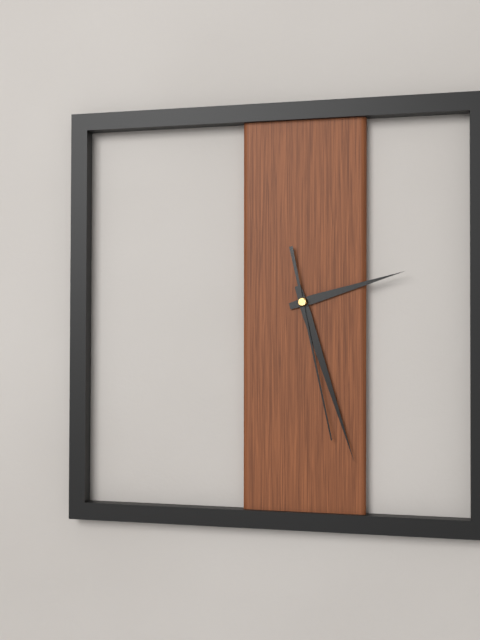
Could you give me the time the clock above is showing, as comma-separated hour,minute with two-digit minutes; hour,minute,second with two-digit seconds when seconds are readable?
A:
2,27,28
